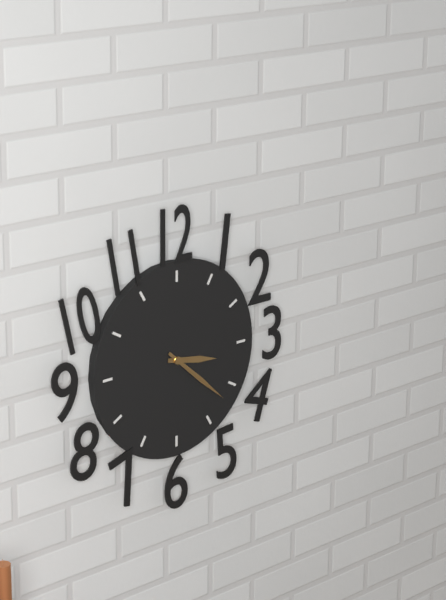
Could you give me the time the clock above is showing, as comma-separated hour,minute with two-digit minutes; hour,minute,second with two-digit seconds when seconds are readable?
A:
3,22
